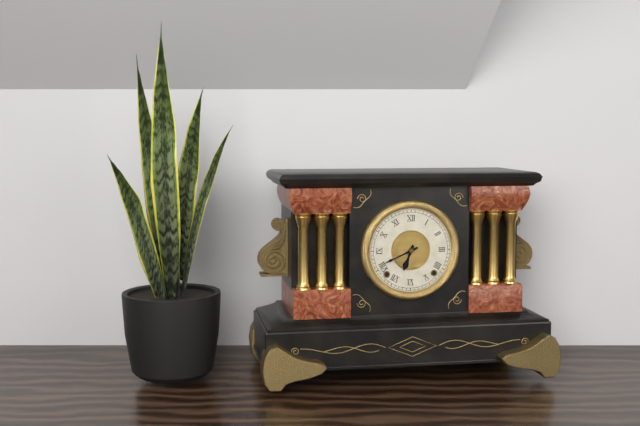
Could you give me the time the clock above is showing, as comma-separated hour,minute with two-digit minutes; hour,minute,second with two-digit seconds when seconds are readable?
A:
6,41
